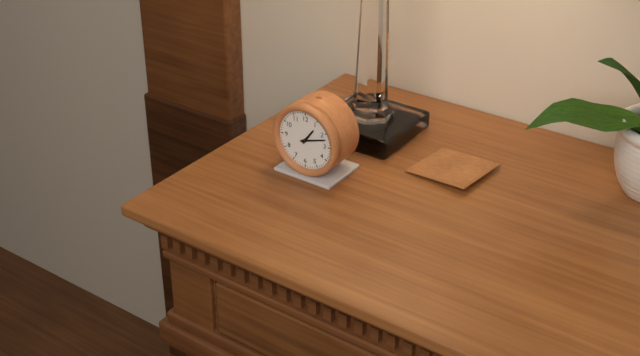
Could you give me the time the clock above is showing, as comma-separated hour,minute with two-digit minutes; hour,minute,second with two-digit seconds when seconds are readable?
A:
1,12
